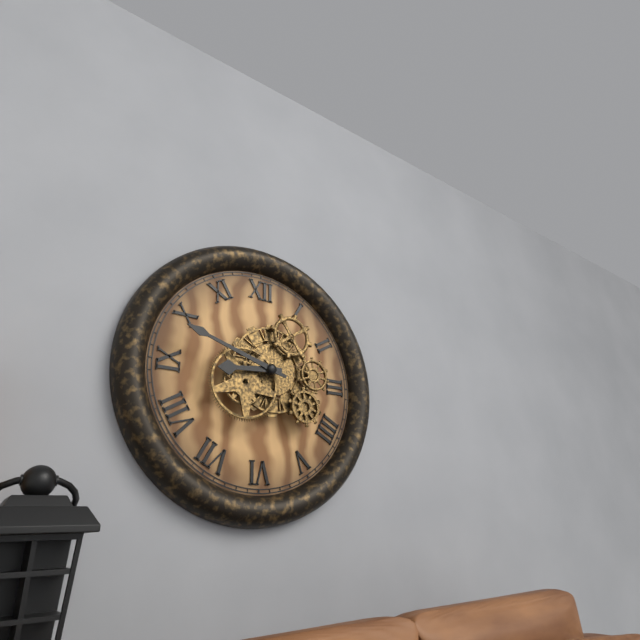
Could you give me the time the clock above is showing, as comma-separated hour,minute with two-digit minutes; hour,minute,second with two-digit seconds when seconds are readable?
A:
8,48
